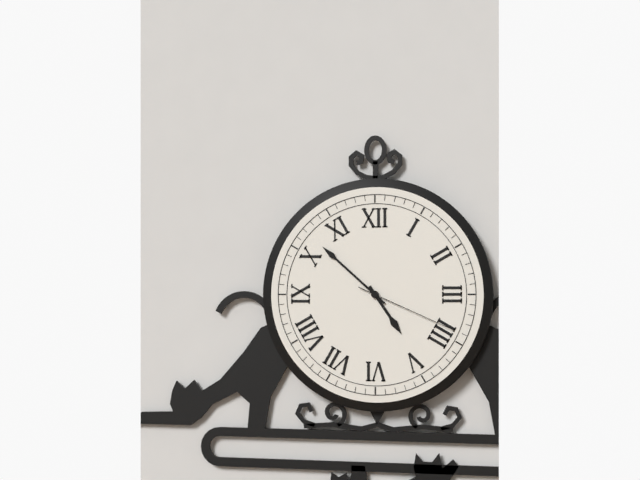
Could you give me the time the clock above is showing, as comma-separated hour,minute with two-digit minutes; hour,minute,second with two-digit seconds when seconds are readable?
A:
4,52,19
